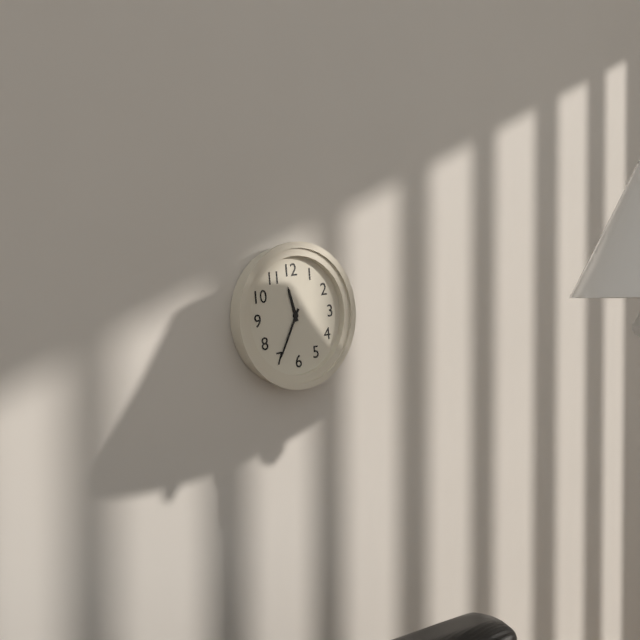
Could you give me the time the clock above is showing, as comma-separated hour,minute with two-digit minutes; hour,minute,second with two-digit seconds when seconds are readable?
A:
11,35
